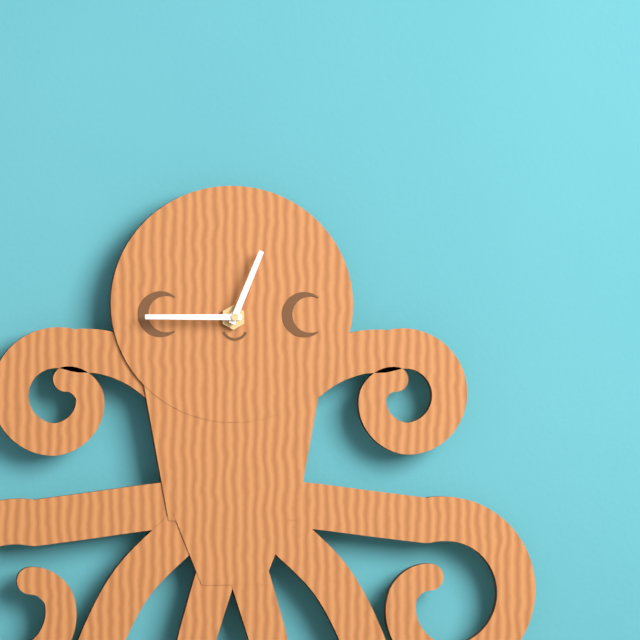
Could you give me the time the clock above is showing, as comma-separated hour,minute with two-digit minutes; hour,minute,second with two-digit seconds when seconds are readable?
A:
12,45
